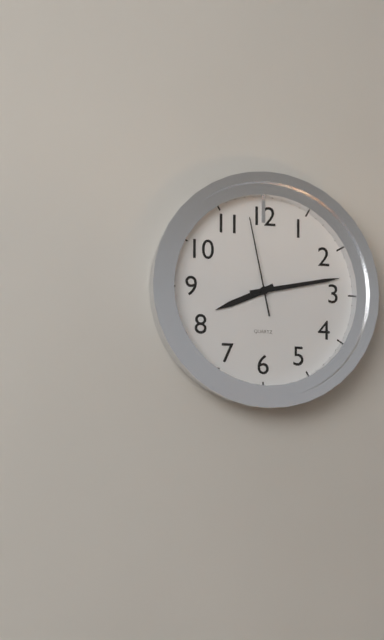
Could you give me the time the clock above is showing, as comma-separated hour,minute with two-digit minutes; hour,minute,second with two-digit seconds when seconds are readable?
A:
8,13,58
